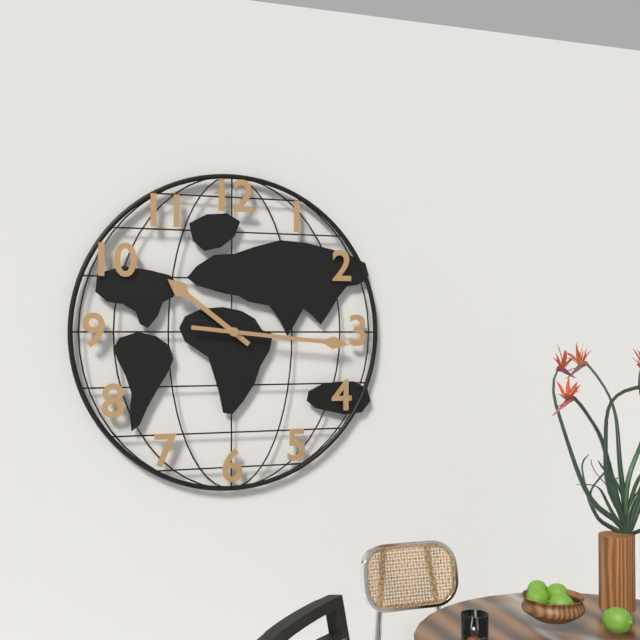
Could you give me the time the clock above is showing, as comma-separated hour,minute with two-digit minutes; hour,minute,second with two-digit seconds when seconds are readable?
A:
10,16
